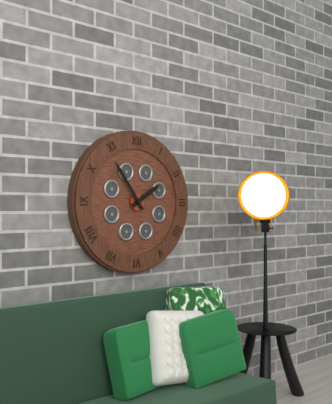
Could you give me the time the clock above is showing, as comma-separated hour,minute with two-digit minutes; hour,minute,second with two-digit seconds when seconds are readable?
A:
1,54
